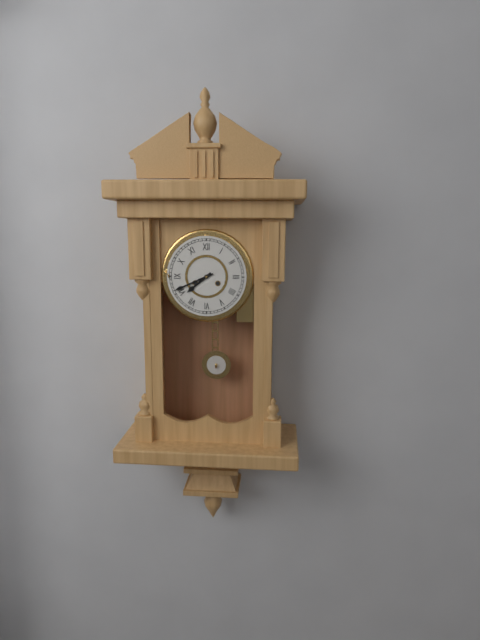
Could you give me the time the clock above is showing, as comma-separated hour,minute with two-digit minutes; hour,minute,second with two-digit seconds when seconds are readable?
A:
7,41
